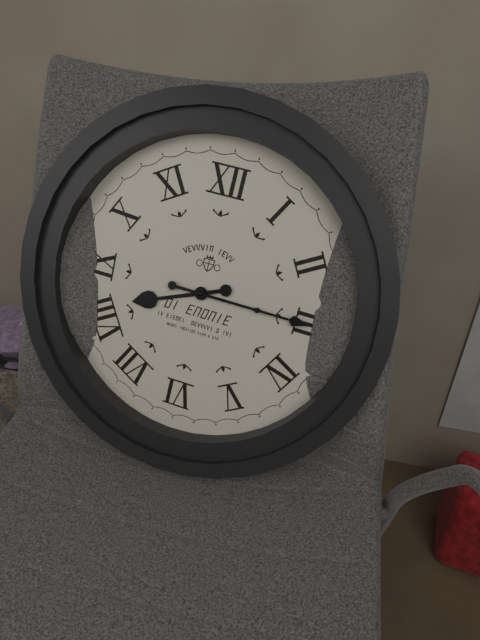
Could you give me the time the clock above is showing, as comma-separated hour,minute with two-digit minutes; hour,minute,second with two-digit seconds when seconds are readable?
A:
8,15
